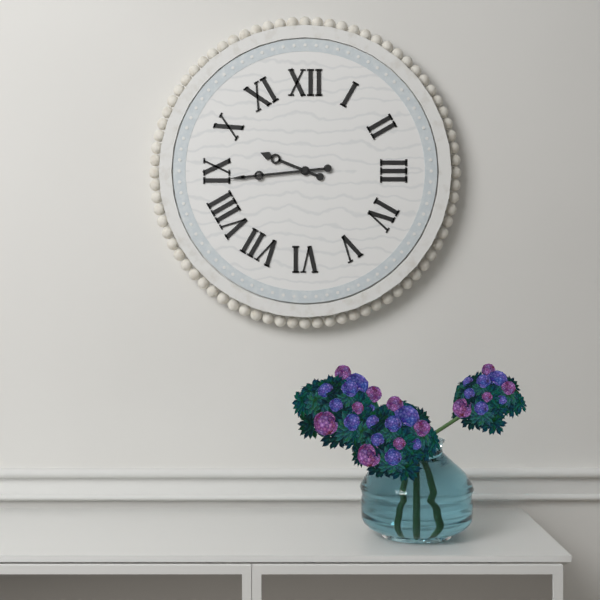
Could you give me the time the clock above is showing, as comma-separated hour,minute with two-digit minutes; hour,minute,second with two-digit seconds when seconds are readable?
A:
9,44
